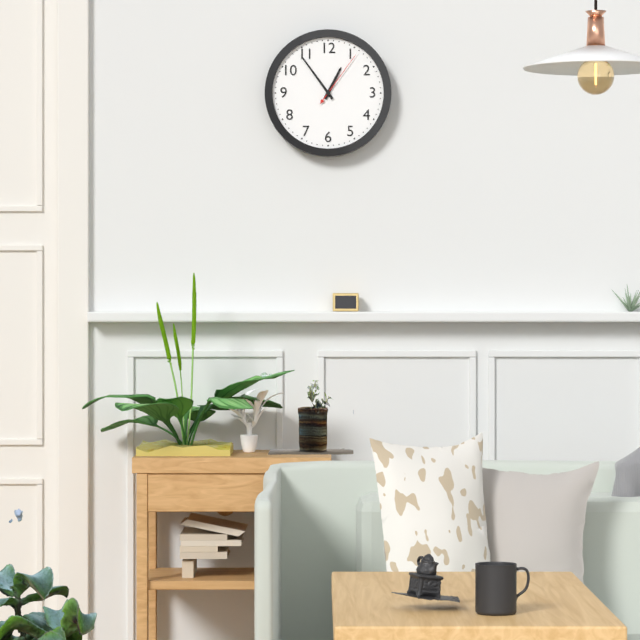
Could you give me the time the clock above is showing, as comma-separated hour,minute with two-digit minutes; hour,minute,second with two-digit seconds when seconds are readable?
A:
12,54,06
